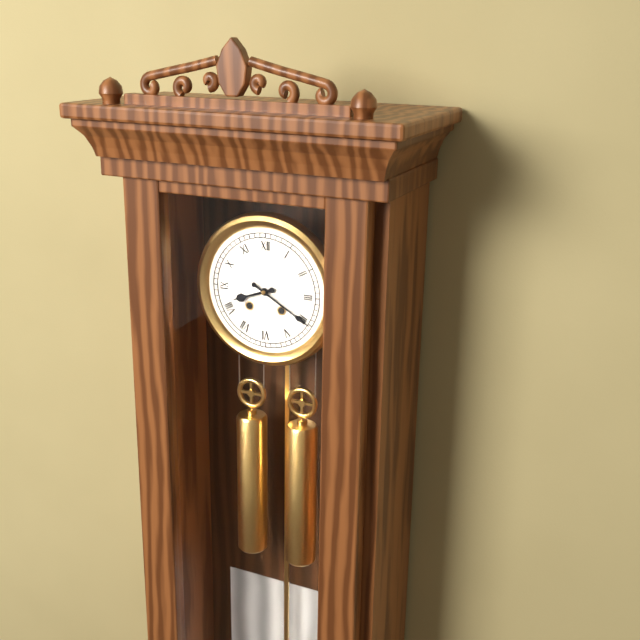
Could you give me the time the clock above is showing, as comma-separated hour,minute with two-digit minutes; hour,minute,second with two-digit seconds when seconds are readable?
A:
8,20
